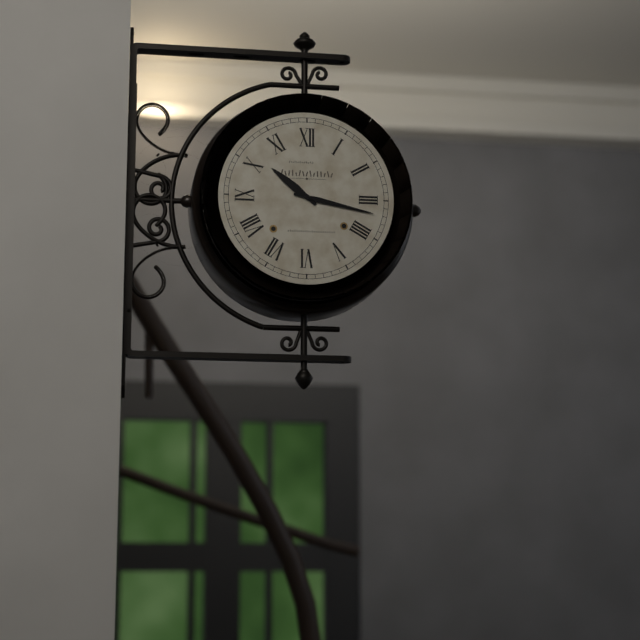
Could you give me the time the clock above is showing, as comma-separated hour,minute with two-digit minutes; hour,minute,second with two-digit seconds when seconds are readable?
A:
10,17
